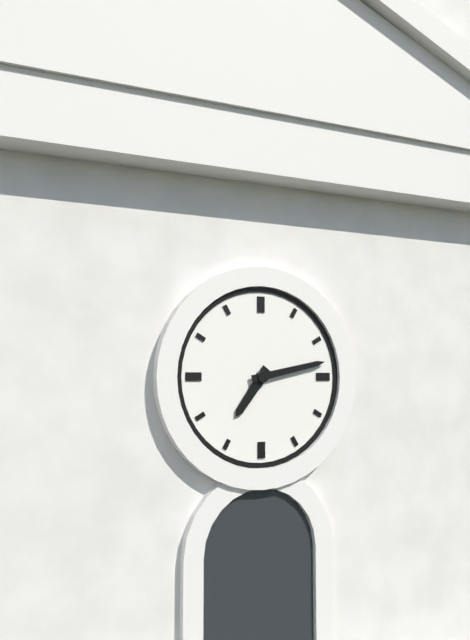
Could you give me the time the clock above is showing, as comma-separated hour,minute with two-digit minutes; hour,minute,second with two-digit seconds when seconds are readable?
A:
7,13
